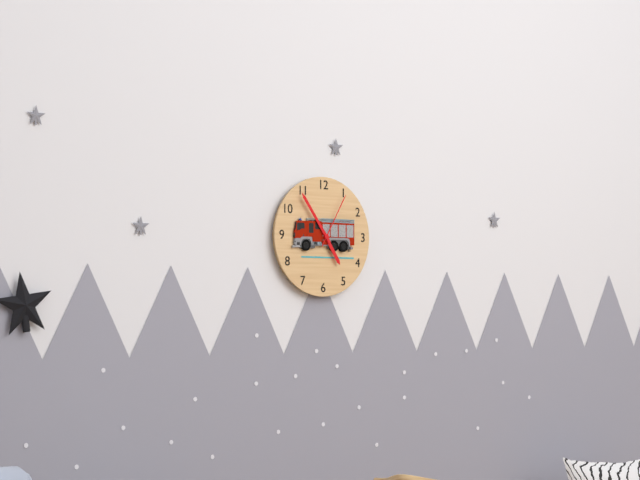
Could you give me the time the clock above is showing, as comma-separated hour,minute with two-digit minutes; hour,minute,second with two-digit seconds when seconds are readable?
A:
4,54,05
